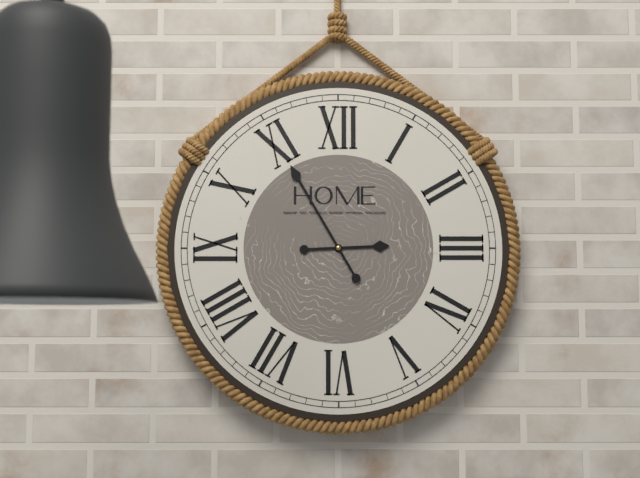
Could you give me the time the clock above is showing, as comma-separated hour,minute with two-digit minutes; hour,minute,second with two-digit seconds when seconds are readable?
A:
2,55
